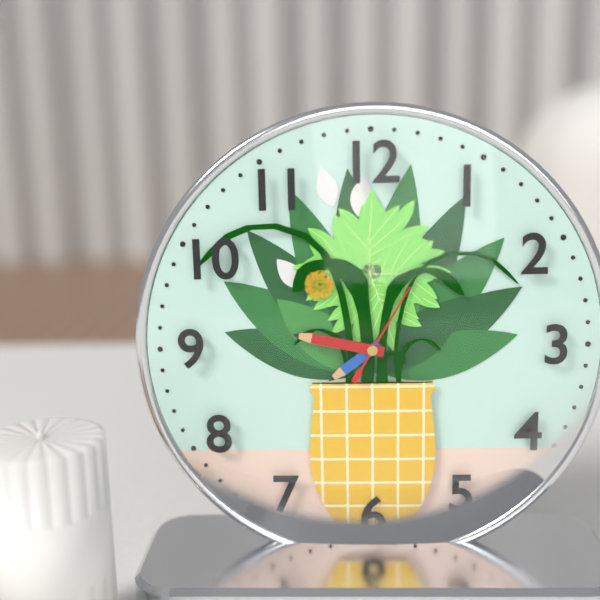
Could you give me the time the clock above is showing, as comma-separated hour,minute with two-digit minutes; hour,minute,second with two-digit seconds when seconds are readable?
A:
7,47,05
